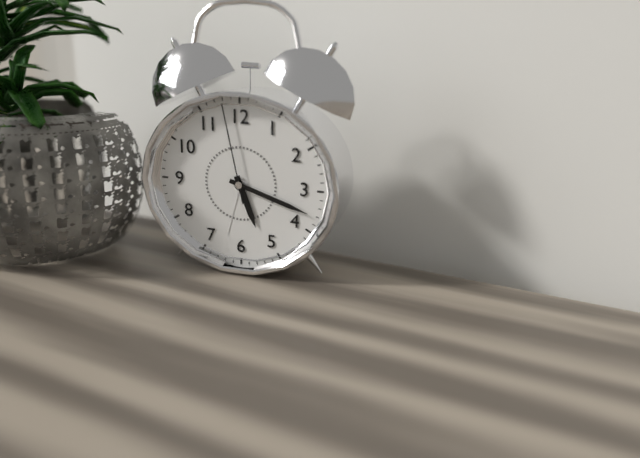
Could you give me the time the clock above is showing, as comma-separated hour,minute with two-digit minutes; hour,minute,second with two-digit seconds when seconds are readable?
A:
5,18,58
